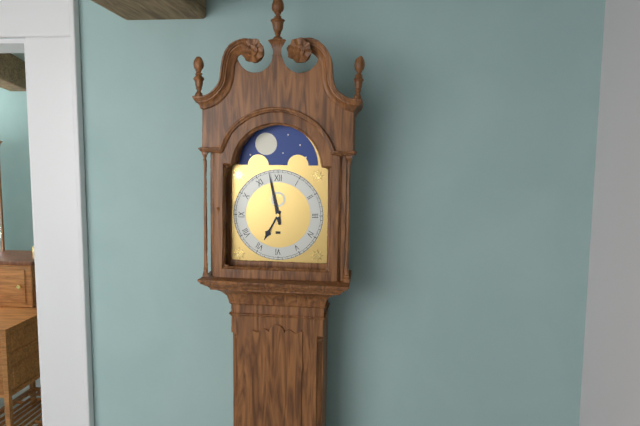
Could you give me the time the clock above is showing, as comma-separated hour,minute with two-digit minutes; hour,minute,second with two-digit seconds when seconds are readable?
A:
6,58
